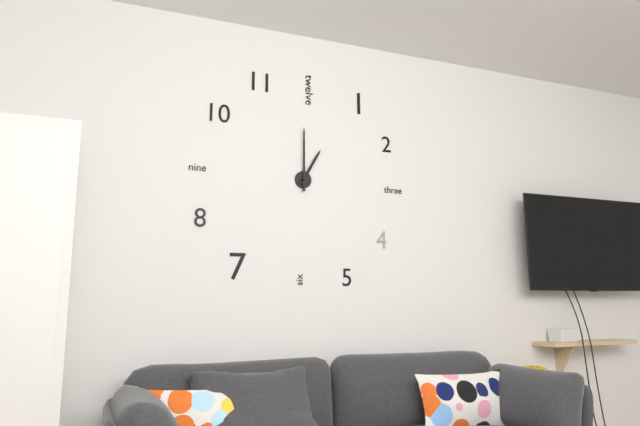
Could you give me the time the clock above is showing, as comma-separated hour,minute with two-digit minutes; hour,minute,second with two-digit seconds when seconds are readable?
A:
1,00
